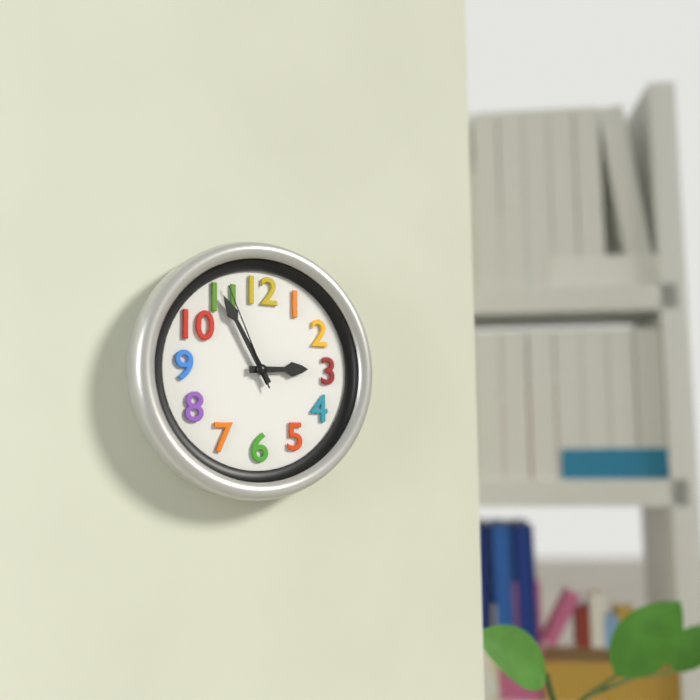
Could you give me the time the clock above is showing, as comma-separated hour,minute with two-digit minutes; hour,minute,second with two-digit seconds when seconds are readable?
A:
2,55,56
